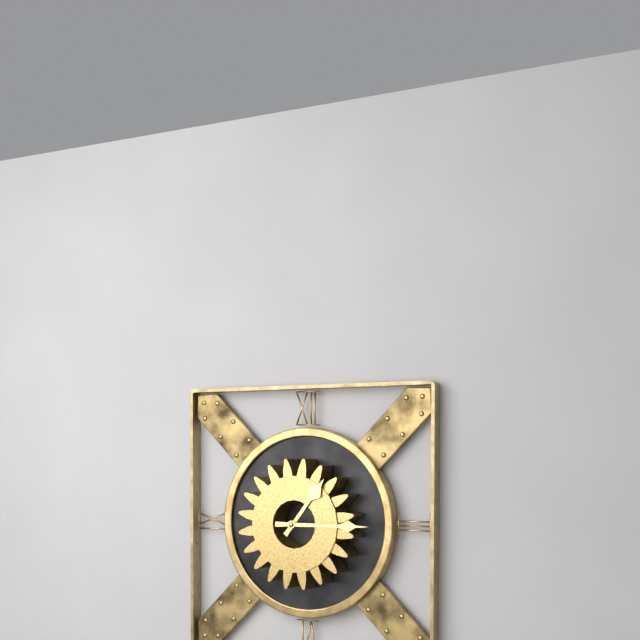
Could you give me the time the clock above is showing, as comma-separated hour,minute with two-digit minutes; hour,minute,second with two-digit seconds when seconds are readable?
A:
1,15
